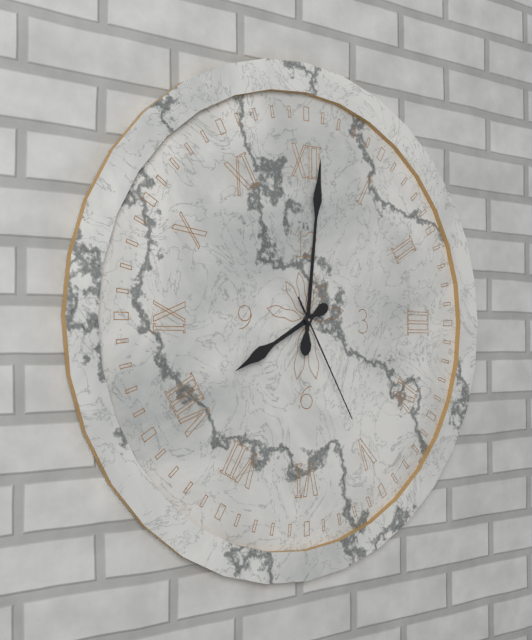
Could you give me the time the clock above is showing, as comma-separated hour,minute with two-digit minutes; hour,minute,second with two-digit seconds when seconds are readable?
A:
8,01,25
